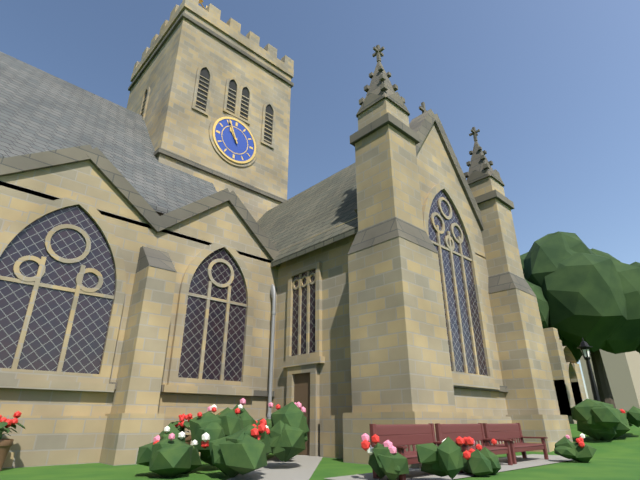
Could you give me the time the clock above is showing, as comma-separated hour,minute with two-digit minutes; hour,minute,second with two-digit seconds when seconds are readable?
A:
10,56
